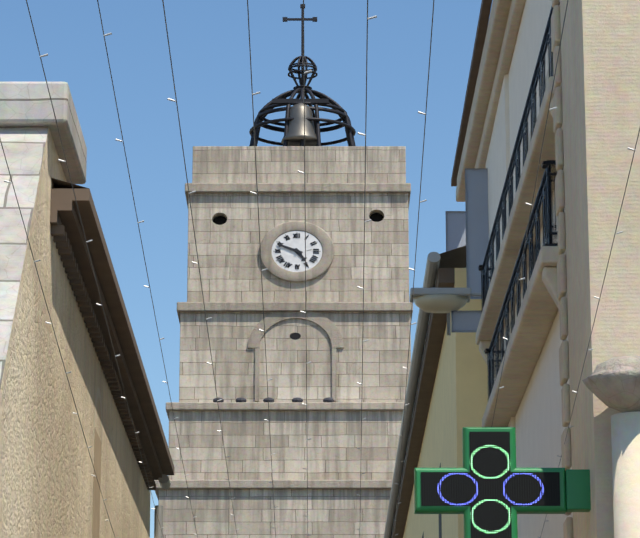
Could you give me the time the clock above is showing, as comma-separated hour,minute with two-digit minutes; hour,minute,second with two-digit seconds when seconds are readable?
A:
4,49
